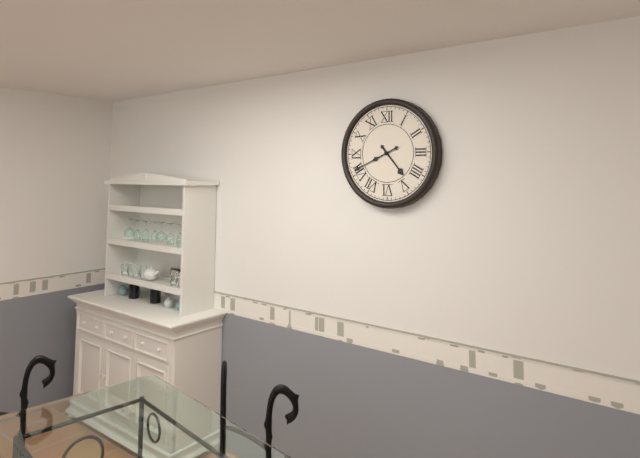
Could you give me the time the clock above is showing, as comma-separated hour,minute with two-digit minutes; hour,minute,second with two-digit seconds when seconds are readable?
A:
4,41
